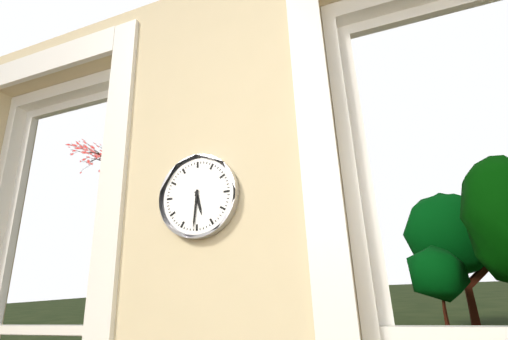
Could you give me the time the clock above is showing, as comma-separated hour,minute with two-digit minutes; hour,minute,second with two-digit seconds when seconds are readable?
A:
5,31
